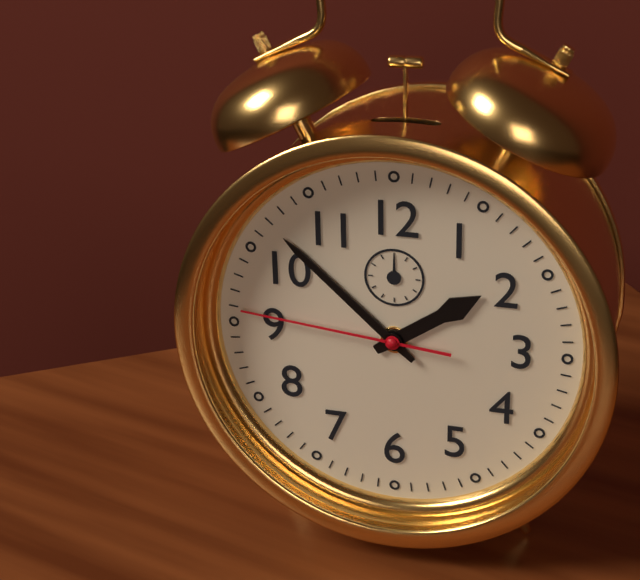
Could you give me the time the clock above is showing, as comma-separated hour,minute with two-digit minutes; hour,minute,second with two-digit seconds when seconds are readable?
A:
1,52,46
